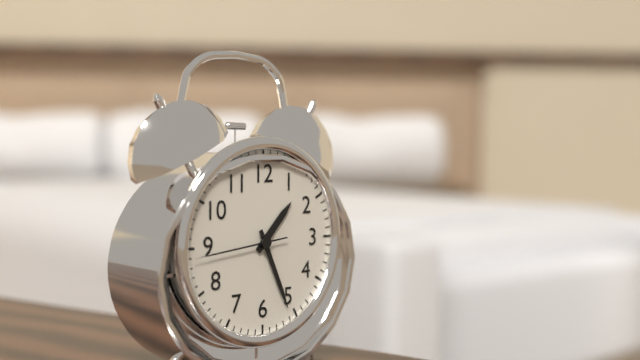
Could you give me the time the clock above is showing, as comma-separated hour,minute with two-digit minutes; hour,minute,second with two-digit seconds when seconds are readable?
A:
1,26,44
